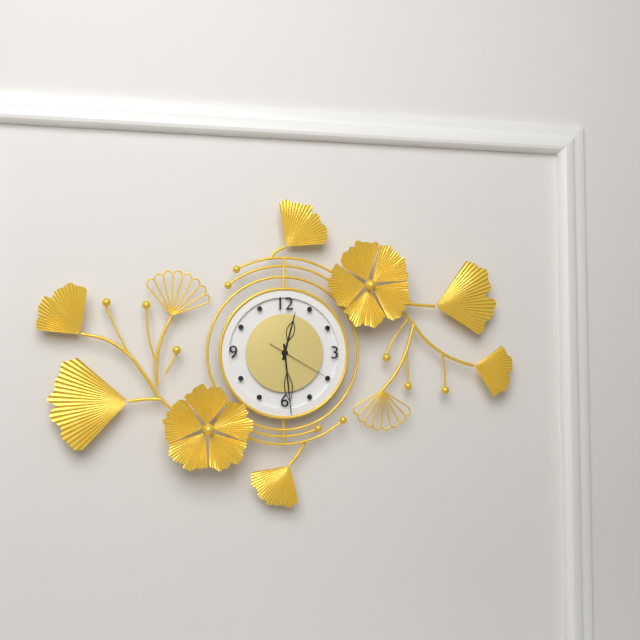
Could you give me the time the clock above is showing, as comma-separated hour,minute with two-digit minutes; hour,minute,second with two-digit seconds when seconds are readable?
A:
12,29,20
